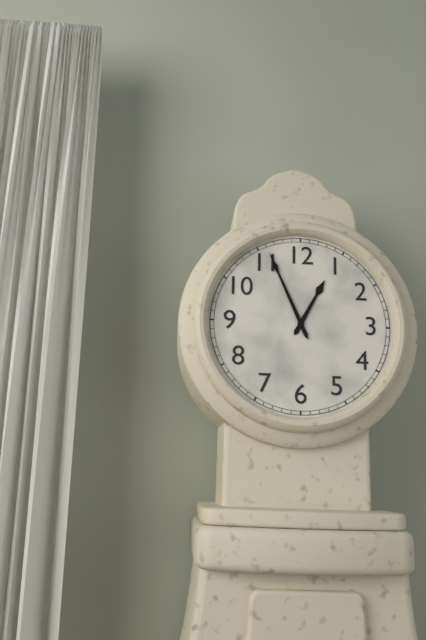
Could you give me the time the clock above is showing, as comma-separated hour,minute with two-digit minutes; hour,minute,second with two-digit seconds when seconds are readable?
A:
12,56
